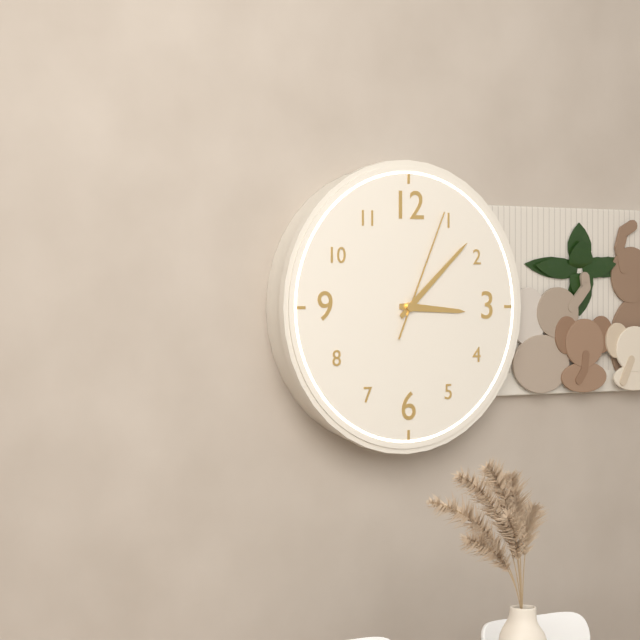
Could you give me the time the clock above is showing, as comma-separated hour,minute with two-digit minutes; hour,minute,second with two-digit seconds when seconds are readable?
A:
3,08,04
